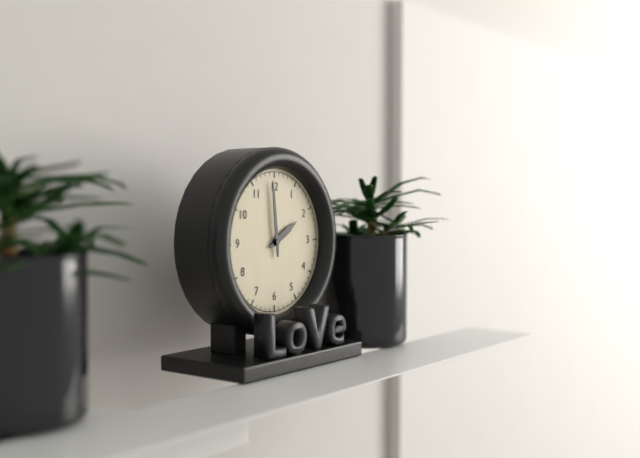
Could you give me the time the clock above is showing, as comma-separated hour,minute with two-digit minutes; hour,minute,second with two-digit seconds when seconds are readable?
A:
1,59
